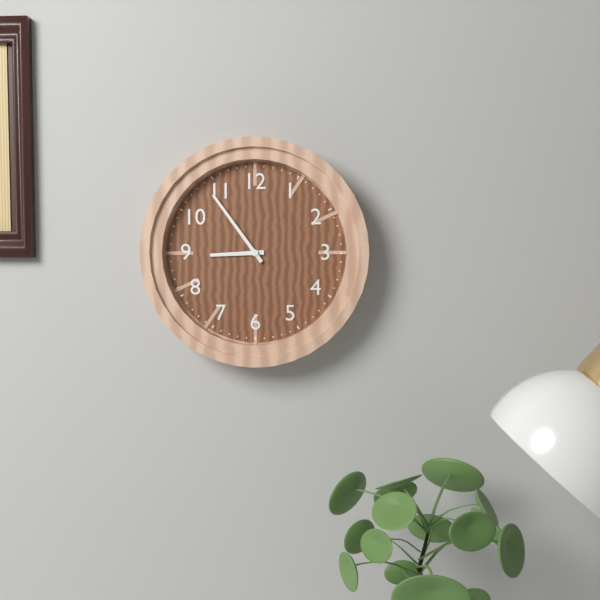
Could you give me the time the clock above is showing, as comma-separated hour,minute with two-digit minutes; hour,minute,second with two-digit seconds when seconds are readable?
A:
8,54
